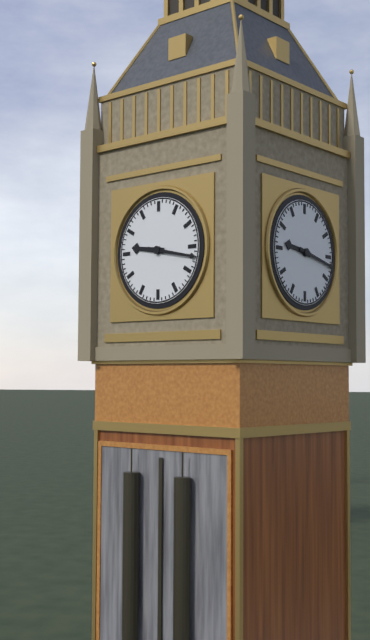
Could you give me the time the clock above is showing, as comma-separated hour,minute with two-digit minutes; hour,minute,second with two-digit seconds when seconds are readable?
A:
9,17
